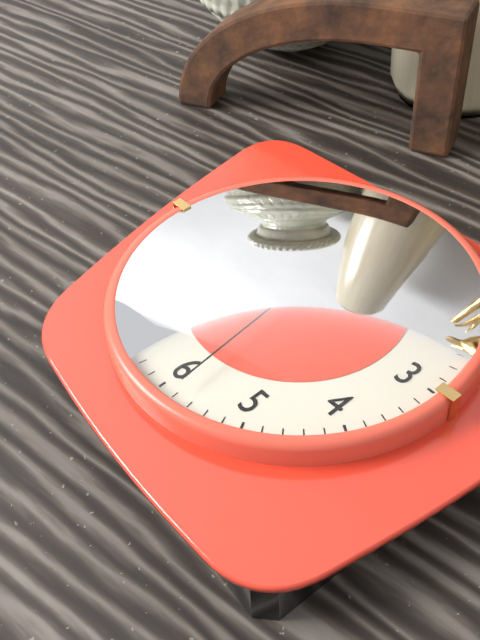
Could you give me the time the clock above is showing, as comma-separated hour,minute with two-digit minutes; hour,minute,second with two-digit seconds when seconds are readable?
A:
1,02,29
